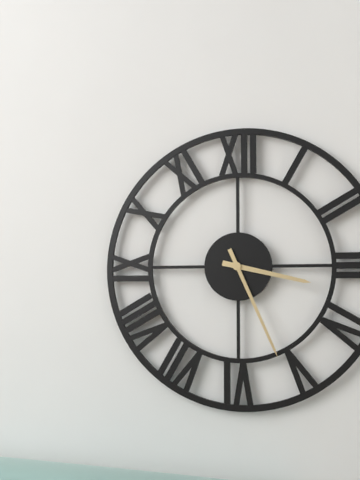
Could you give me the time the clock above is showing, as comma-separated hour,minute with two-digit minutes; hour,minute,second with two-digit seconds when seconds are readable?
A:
3,26
